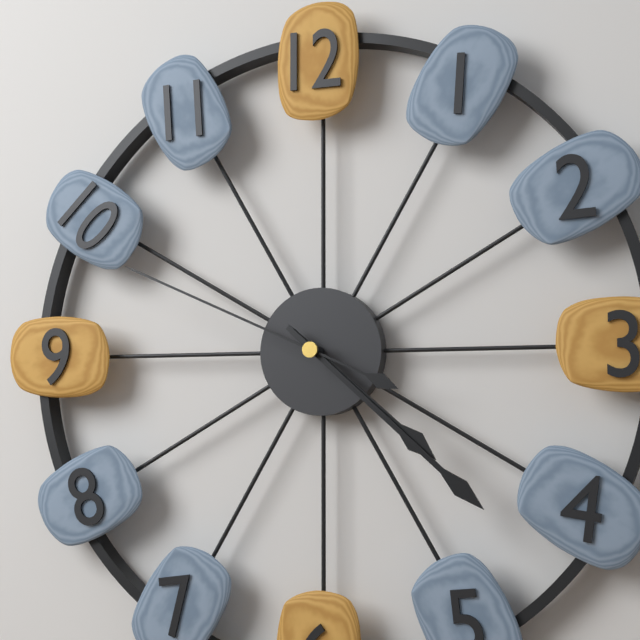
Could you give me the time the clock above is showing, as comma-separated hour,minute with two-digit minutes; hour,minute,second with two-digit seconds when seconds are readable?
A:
4,22,49
